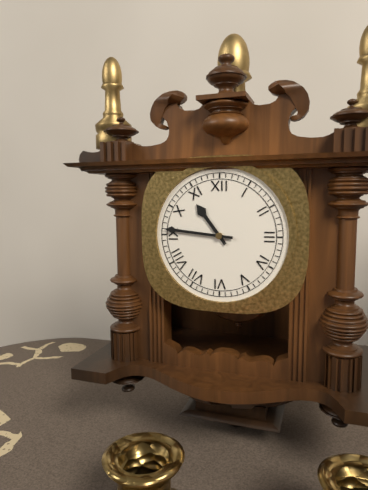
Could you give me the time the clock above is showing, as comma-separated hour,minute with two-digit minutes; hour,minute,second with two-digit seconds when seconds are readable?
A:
10,46
